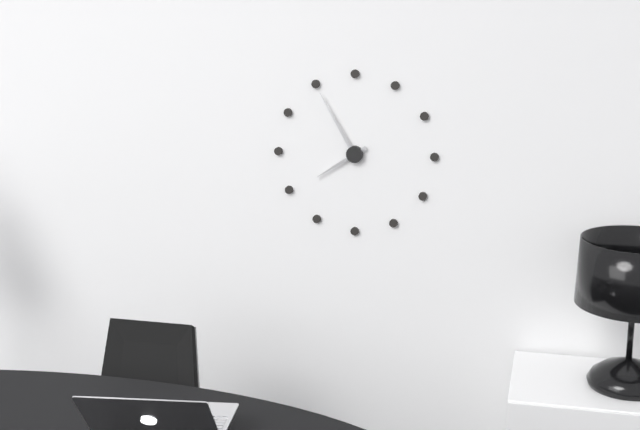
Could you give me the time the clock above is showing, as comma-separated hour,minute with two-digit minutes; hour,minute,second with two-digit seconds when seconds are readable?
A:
7,55
